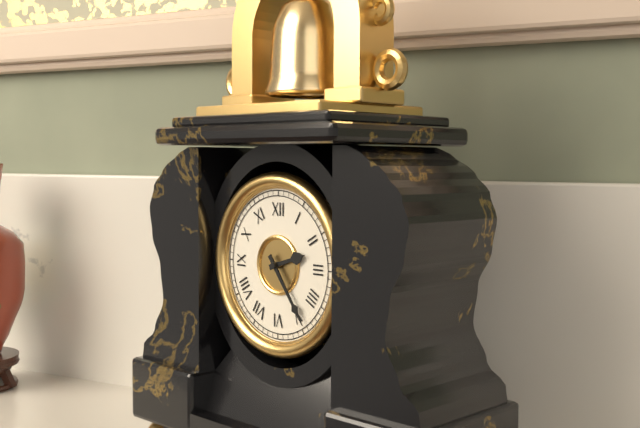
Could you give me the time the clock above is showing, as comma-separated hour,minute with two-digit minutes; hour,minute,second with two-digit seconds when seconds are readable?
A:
2,24
